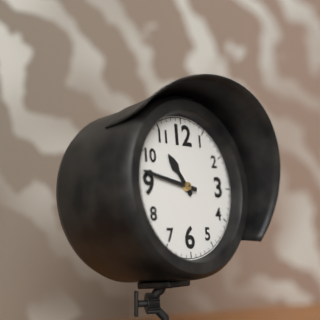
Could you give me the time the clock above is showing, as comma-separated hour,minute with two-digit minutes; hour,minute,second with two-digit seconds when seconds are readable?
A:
10,47
